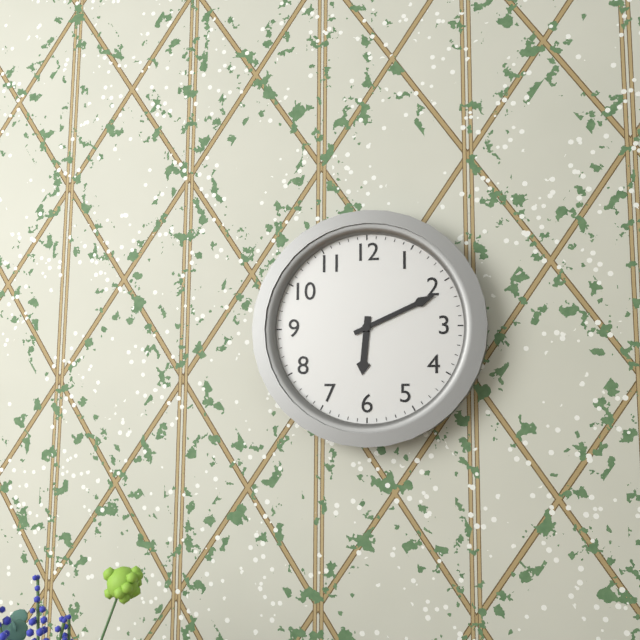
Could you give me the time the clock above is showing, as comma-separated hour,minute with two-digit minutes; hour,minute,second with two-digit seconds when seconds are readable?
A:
6,11
